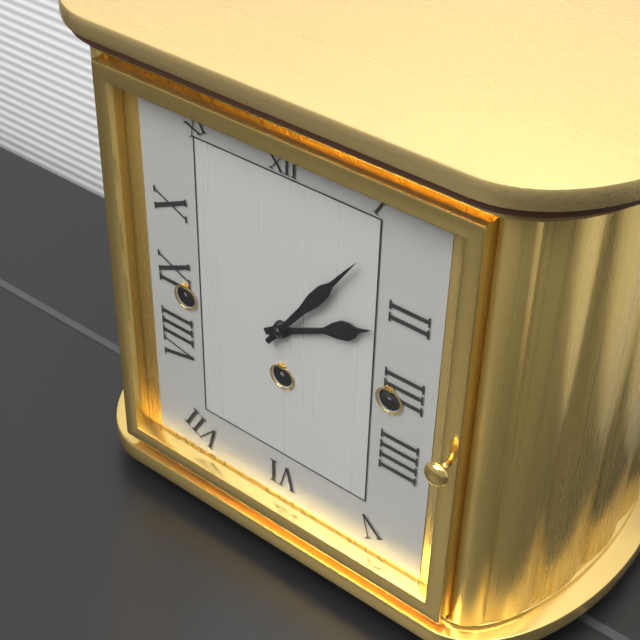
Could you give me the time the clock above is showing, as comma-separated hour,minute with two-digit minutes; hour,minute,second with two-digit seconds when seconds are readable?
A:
2,06
